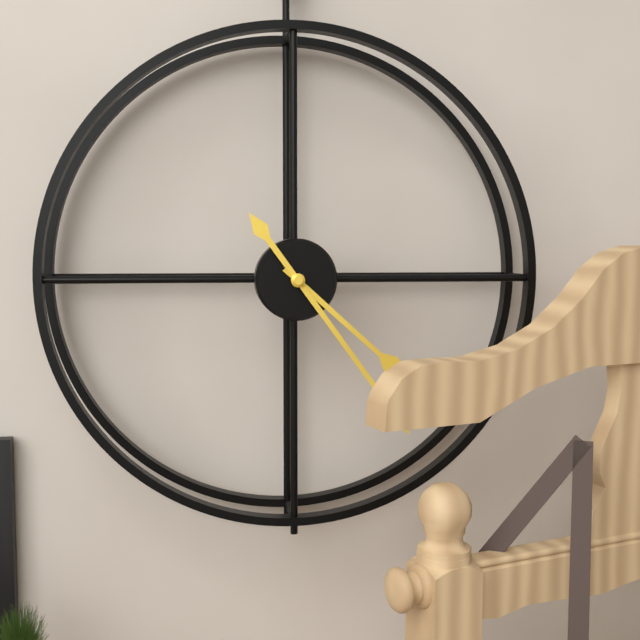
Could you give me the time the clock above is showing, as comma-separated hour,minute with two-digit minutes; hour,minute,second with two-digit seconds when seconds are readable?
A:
4,24
